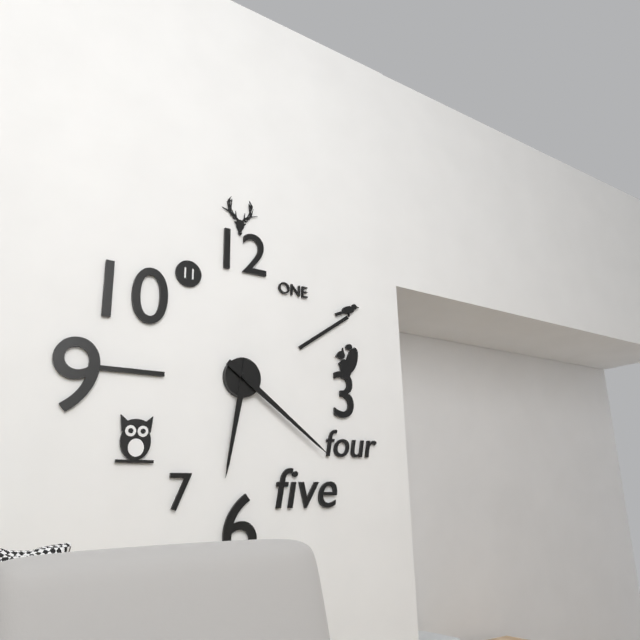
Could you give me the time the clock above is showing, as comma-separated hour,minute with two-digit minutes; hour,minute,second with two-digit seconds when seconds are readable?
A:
6,21
